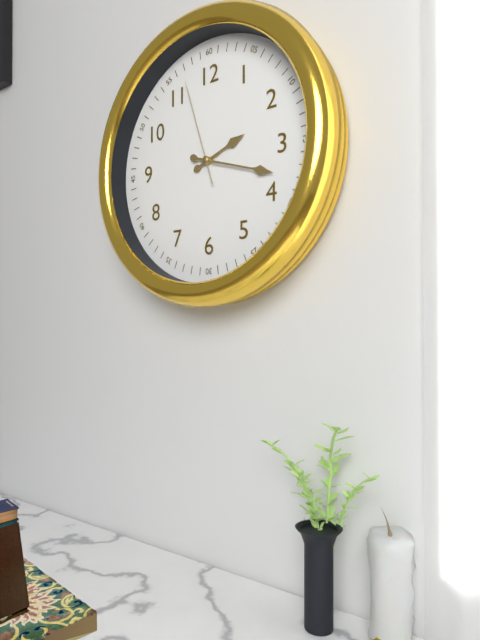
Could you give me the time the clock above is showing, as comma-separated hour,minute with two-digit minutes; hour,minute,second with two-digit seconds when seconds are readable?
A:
2,18,57
